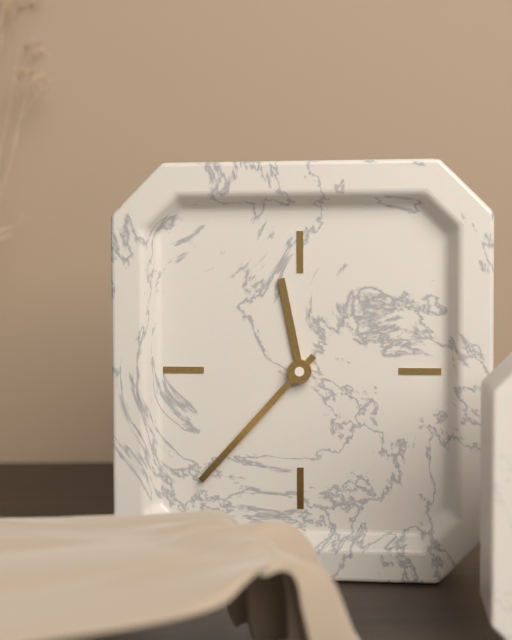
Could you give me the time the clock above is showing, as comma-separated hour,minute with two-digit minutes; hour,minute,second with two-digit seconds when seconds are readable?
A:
11,37
